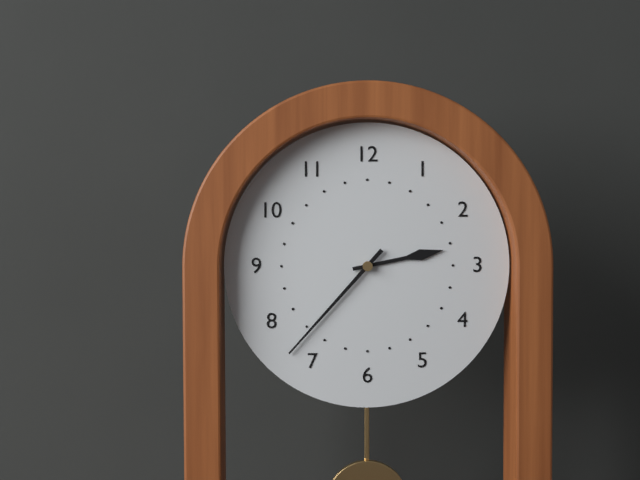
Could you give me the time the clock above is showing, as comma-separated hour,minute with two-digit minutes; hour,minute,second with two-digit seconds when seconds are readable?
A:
2,37
